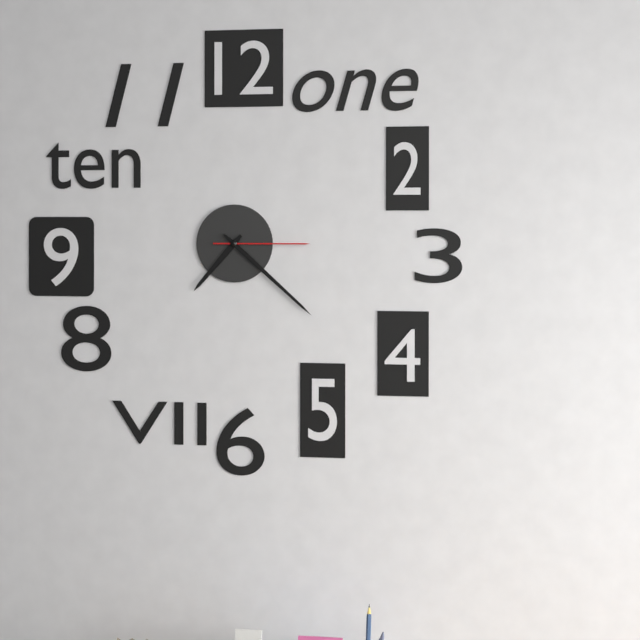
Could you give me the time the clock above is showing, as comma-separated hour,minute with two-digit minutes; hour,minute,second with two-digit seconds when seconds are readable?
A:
7,22,15
